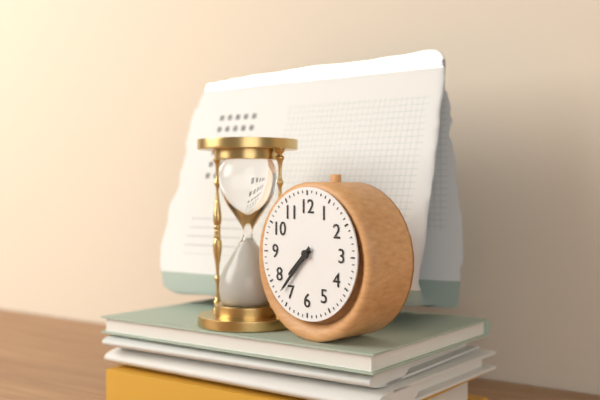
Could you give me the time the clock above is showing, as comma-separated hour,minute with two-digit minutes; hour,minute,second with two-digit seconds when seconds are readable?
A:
7,37
